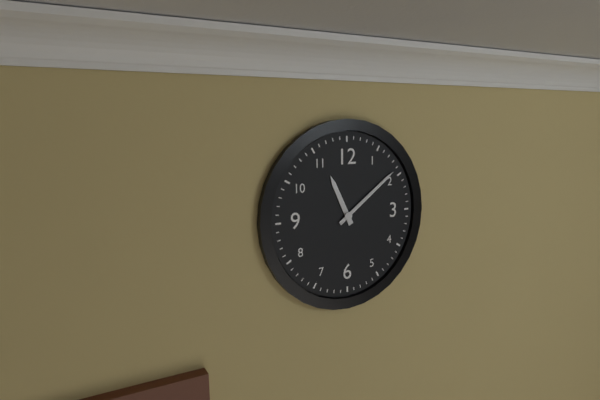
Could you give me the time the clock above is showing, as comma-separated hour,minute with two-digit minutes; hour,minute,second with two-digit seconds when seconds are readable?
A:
11,09
